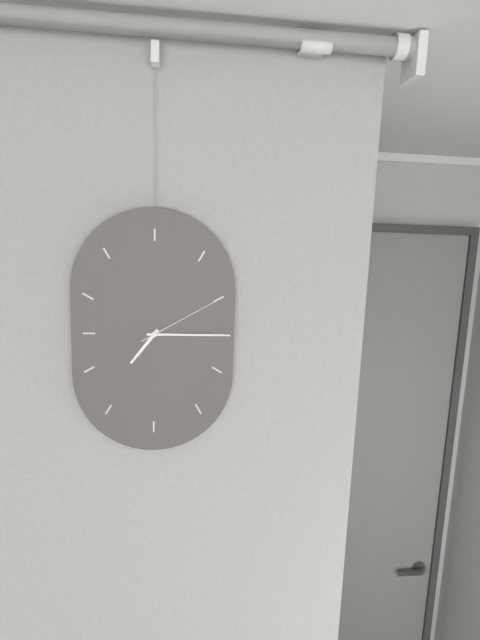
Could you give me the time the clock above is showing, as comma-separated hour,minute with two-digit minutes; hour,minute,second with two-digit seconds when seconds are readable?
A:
7,15,10
